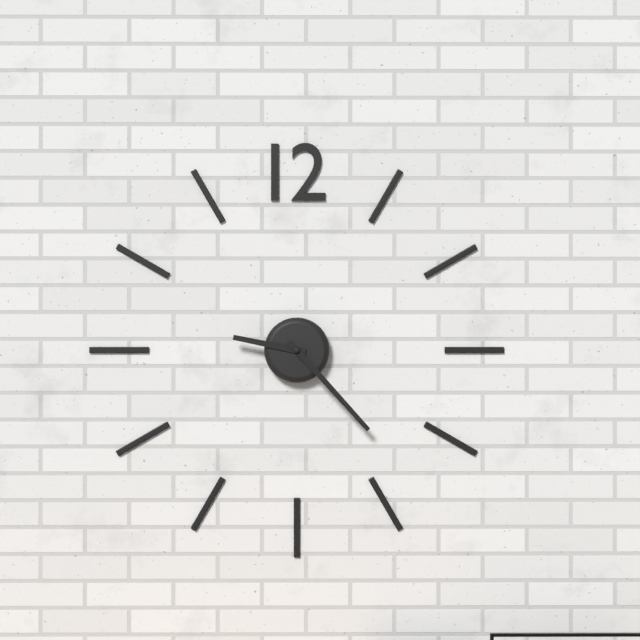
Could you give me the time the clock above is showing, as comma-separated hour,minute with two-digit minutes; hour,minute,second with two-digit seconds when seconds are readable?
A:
9,23
